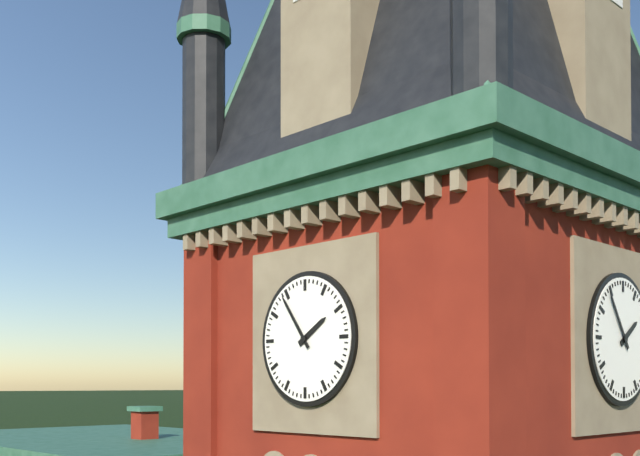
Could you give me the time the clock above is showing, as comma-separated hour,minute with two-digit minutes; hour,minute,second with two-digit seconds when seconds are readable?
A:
1,54
